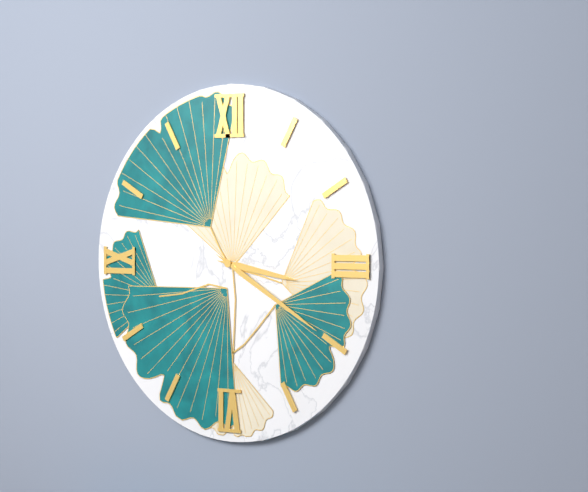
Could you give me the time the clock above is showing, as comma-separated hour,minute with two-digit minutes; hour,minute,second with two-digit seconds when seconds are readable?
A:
3,20
